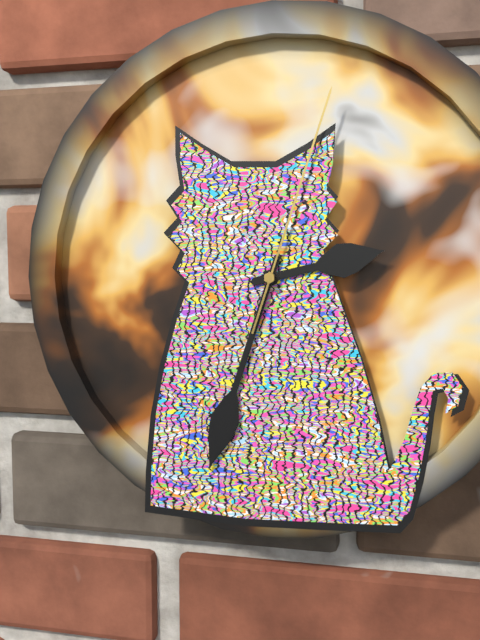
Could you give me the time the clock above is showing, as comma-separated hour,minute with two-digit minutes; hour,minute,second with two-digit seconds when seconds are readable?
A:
2,33,03
